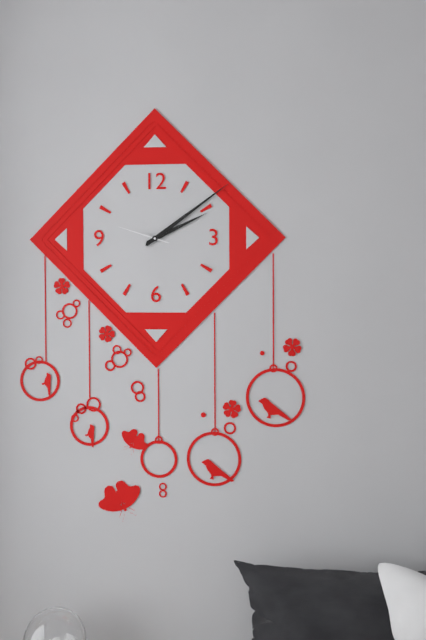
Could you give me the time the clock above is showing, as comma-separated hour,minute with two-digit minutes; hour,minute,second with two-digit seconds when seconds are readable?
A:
2,09,48
